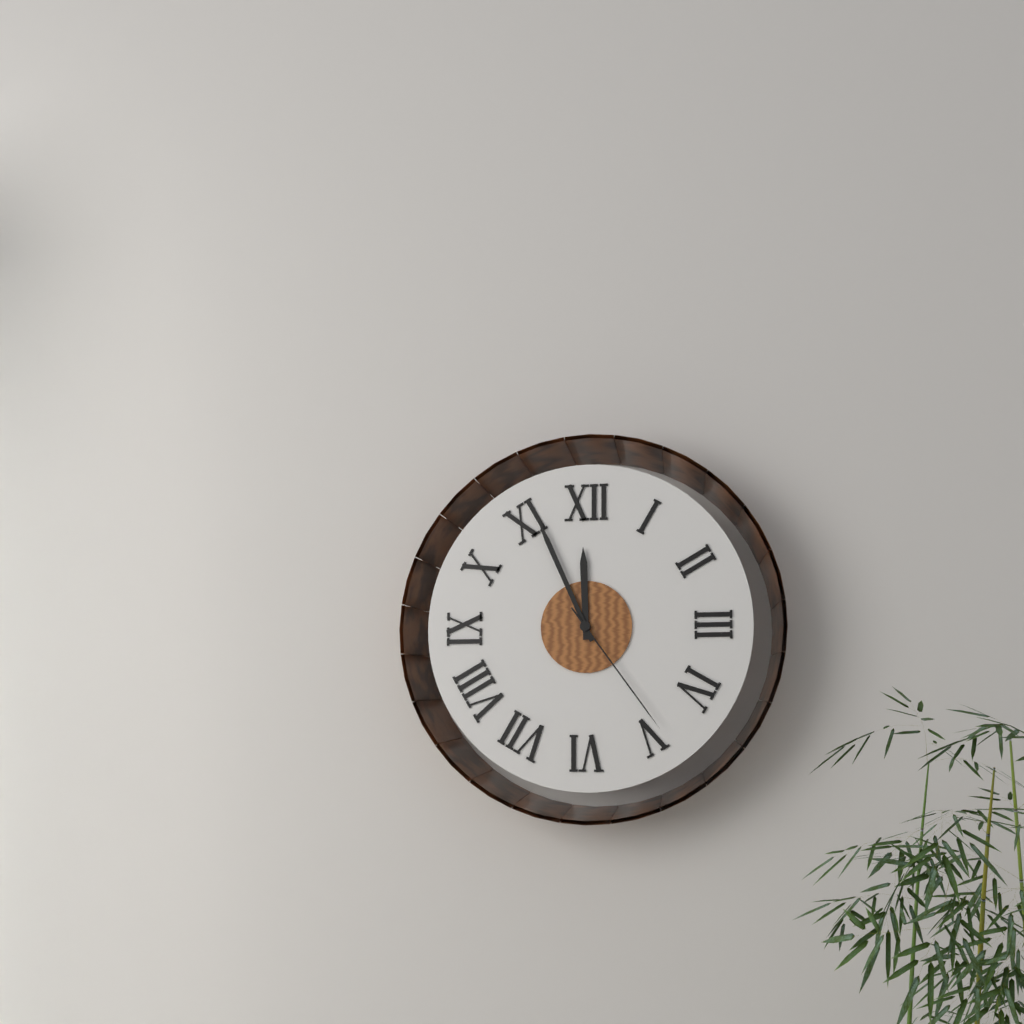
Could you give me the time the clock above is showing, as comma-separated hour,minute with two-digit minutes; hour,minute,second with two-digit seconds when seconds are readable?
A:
11,56,24
